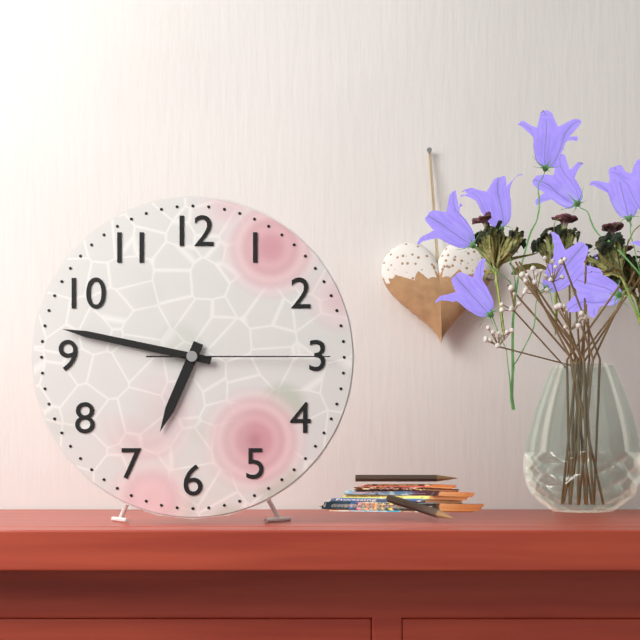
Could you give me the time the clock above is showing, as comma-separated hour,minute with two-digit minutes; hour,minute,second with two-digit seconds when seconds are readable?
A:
6,47,15
